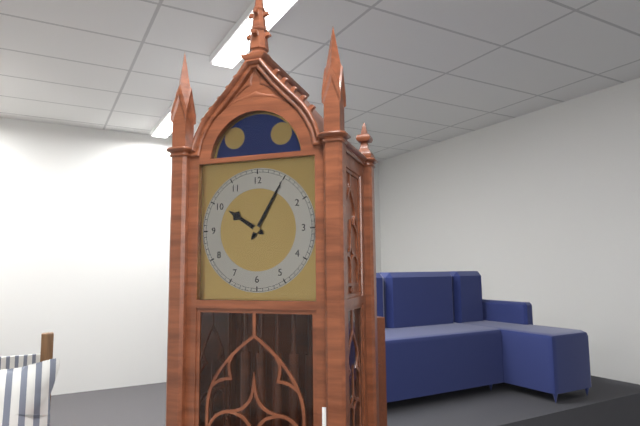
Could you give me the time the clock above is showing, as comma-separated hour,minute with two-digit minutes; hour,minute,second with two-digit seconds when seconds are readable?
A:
10,05
